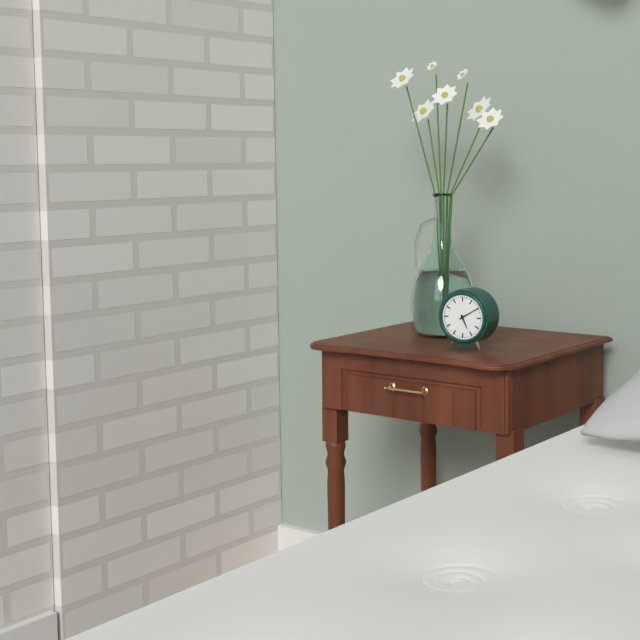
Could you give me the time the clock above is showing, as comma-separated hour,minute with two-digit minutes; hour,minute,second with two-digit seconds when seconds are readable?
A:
5,10
